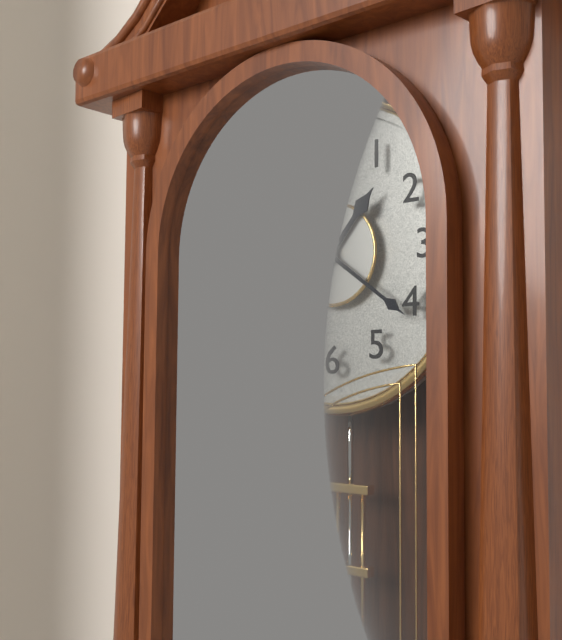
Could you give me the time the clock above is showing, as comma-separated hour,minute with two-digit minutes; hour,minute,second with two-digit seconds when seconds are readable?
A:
1,21
